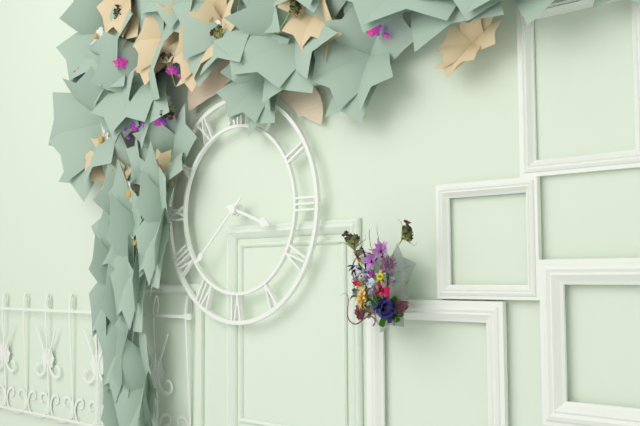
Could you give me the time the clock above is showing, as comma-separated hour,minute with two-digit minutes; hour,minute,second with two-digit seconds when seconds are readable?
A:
3,38
